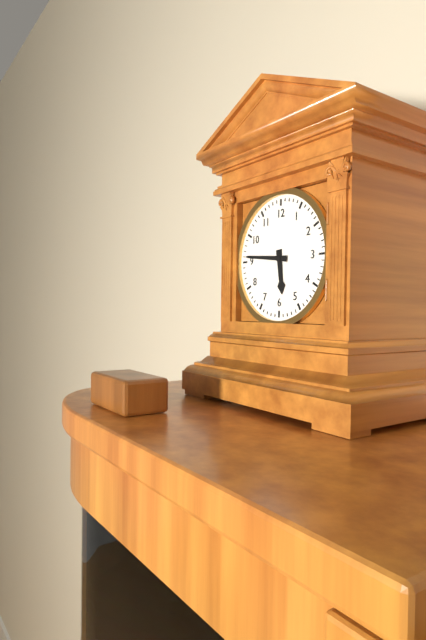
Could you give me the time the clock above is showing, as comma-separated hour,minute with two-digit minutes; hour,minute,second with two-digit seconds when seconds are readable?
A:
5,46
